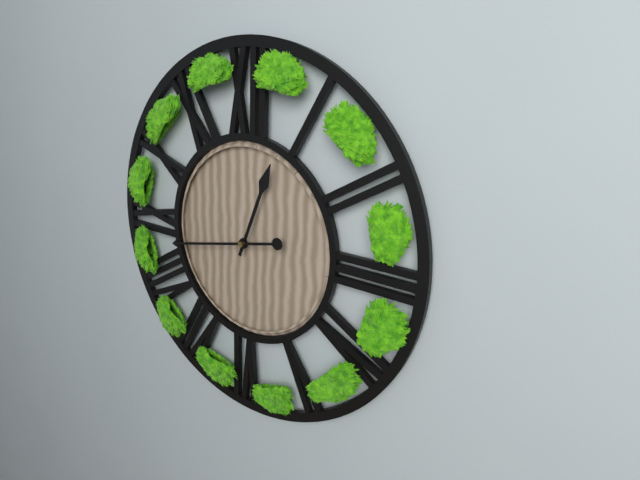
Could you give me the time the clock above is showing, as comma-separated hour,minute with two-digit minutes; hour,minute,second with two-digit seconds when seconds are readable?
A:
12,43
